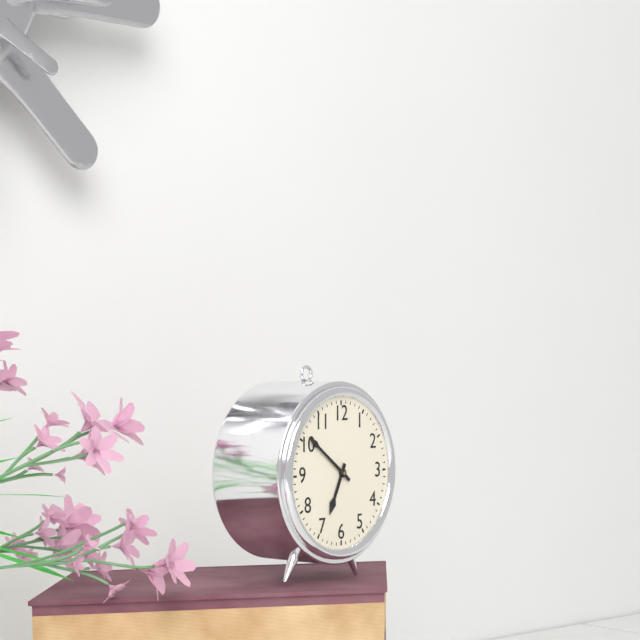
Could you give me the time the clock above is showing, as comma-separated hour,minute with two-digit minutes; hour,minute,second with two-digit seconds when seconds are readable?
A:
6,51
